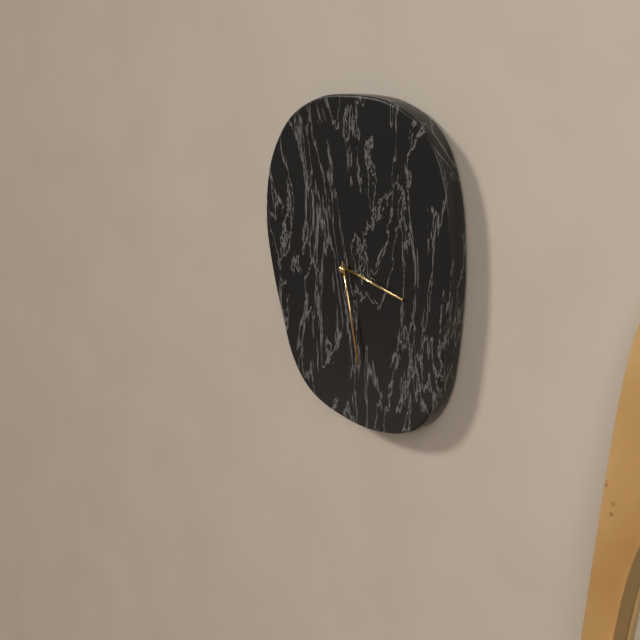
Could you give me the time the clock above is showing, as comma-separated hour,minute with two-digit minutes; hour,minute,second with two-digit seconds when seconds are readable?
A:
3,28
